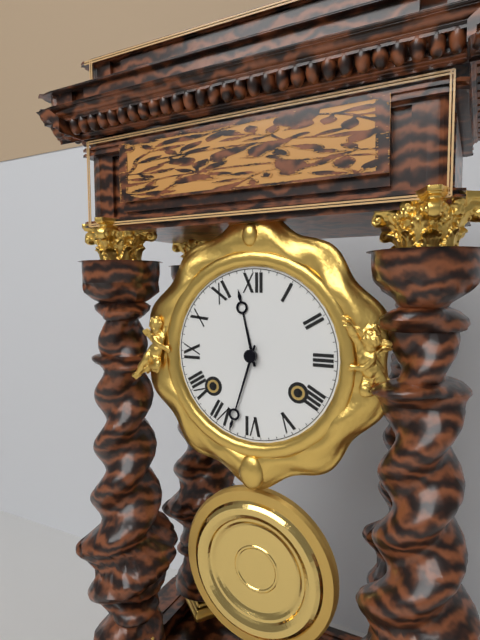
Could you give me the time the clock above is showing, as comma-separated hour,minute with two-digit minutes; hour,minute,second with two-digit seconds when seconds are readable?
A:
11,33
